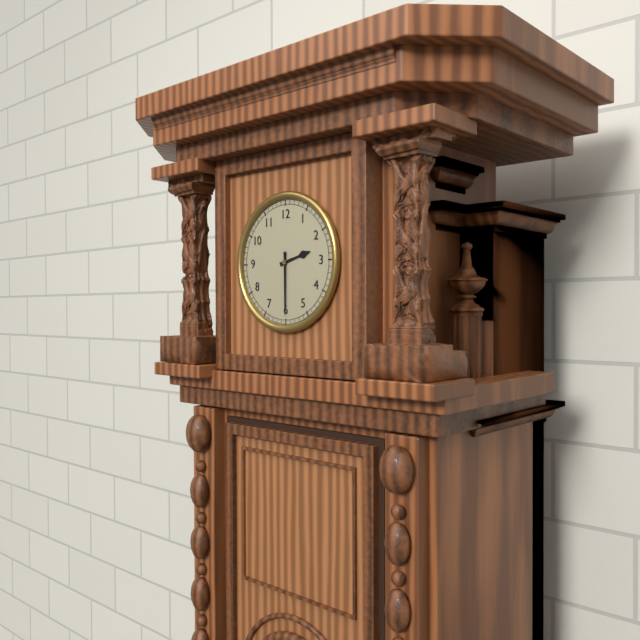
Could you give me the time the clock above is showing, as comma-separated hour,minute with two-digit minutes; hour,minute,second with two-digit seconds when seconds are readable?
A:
2,30
